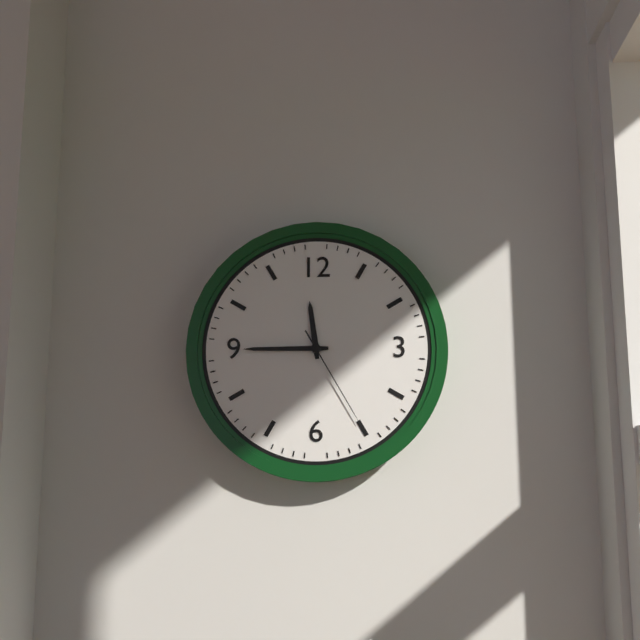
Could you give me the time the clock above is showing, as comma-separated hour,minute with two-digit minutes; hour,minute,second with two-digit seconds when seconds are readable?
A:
11,45,25
